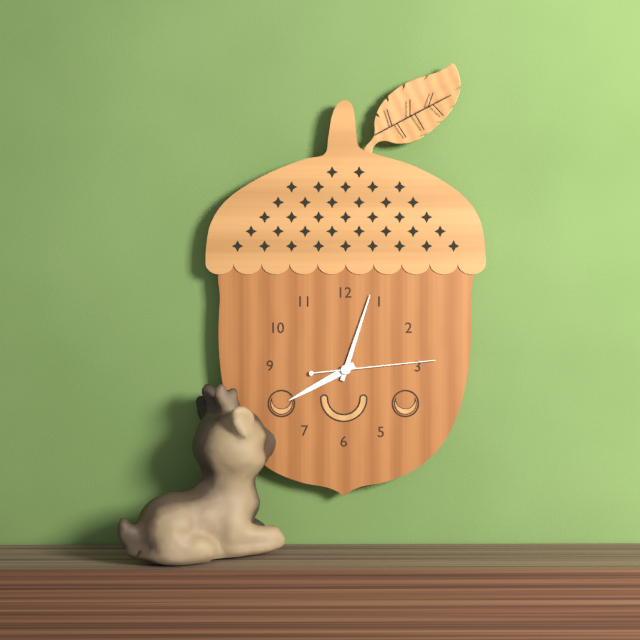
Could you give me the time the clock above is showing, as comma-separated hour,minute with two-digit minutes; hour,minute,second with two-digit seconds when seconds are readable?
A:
8,03,14
